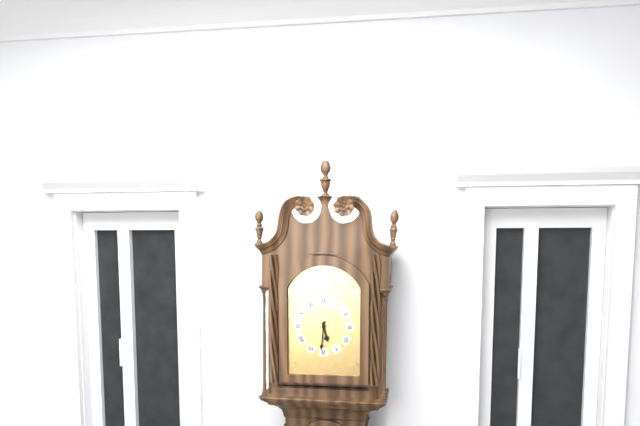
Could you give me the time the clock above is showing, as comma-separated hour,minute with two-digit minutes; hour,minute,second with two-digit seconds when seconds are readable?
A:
5,31
